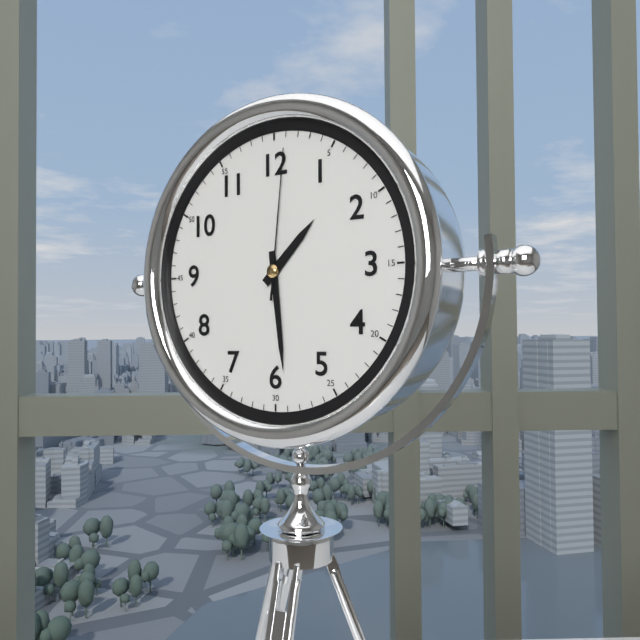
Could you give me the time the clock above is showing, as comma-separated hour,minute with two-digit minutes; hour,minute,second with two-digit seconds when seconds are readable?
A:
1,29,01
